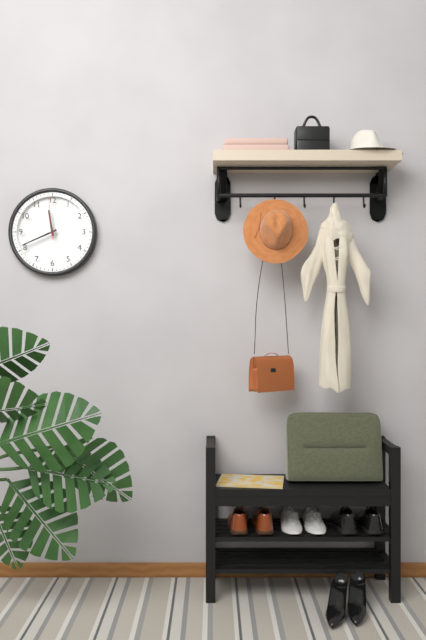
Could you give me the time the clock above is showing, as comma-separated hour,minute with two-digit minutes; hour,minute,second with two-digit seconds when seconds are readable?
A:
11,41
